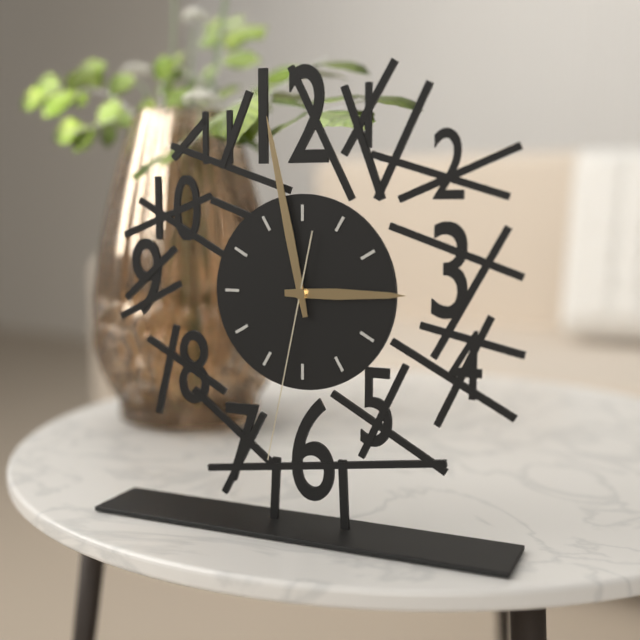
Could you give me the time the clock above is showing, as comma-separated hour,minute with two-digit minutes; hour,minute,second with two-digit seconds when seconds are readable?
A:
2,58,32
